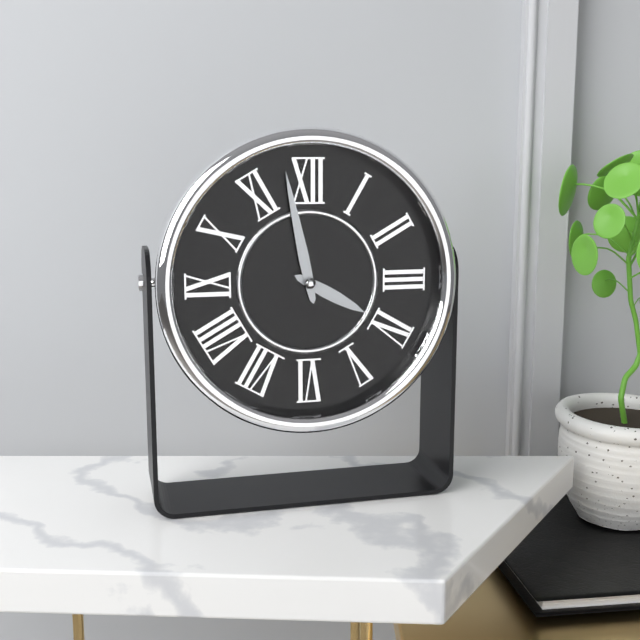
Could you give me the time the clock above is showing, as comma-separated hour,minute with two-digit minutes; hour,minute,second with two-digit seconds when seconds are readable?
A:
3,58
